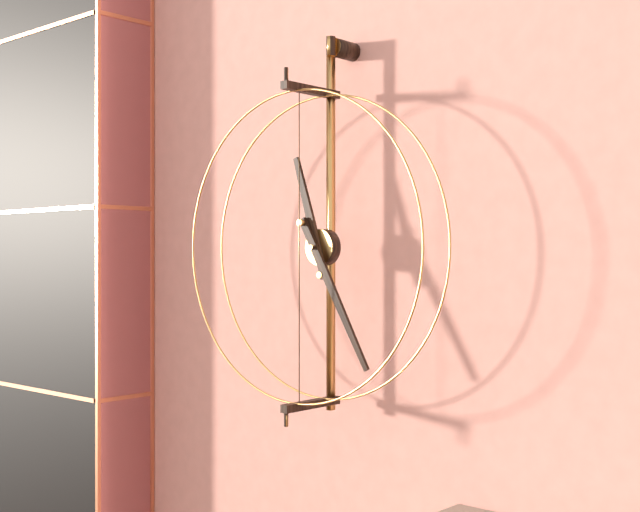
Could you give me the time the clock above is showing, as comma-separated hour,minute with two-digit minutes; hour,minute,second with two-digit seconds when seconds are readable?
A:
11,25
